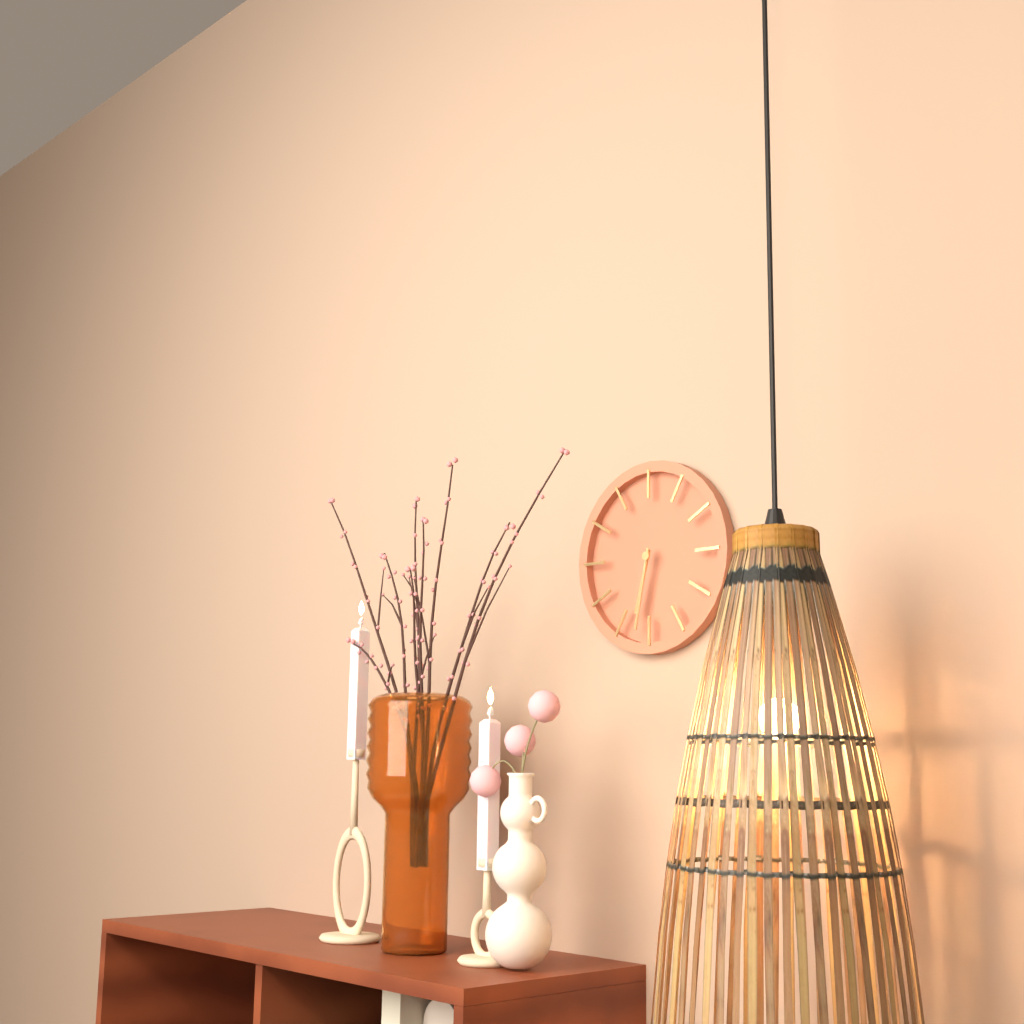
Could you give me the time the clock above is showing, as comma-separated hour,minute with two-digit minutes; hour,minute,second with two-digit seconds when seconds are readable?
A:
6,32
